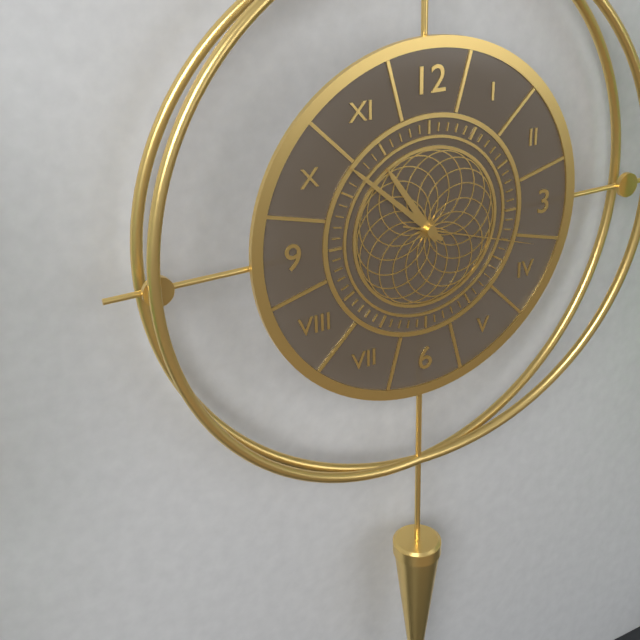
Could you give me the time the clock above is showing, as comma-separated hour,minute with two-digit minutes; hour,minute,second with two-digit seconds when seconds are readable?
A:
10,52,18
